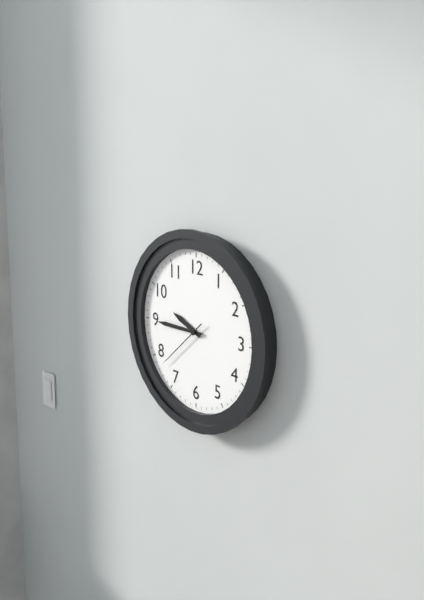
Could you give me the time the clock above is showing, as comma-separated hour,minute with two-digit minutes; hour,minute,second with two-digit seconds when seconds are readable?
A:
9,45,38
